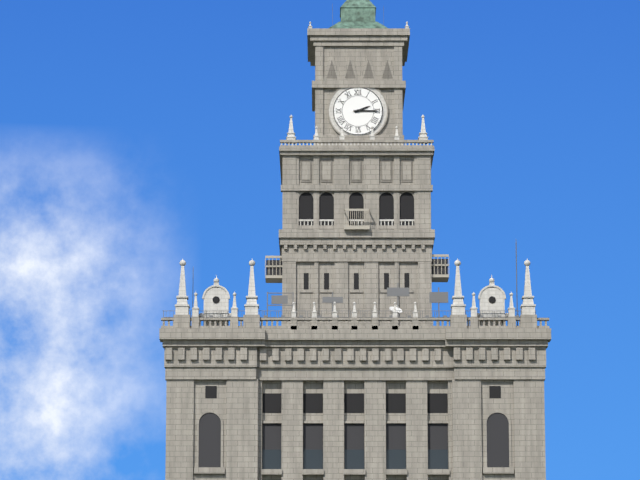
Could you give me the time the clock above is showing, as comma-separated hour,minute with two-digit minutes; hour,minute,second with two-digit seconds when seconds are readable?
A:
2,15
